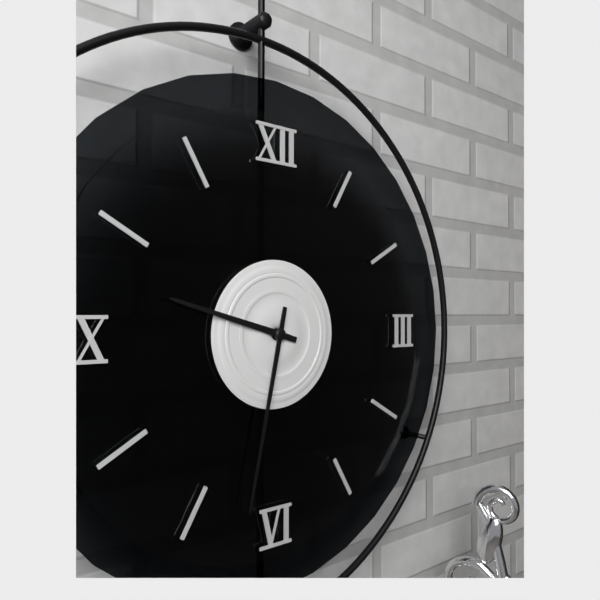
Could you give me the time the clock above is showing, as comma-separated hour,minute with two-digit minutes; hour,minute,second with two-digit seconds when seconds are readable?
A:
9,32
